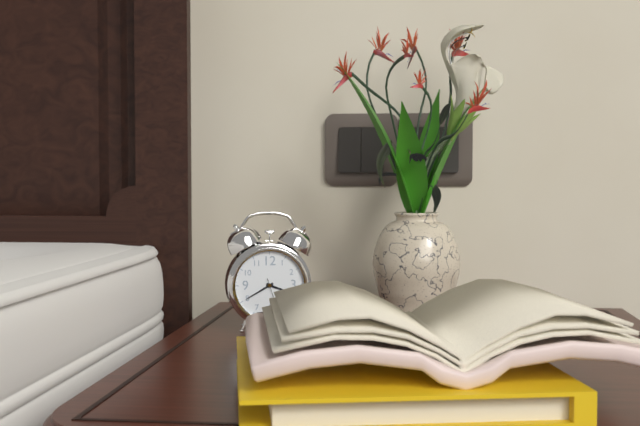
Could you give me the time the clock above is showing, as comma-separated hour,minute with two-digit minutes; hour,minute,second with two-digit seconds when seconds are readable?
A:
3,40
